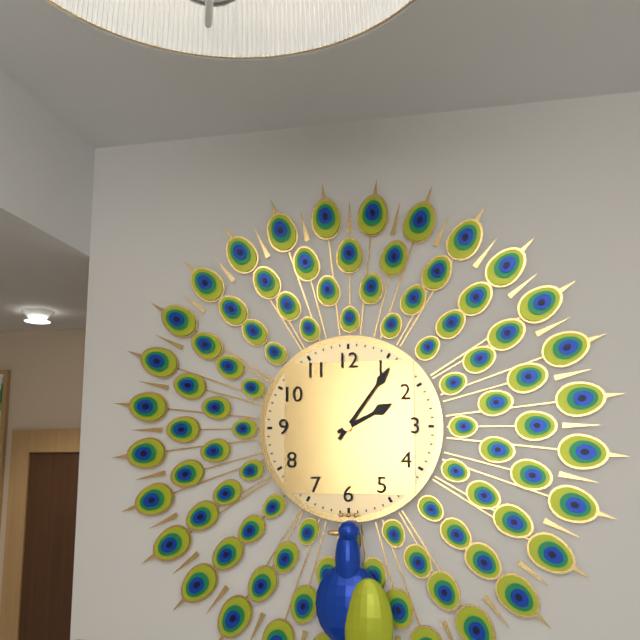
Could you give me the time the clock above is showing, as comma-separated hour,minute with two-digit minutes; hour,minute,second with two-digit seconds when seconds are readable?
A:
2,06
